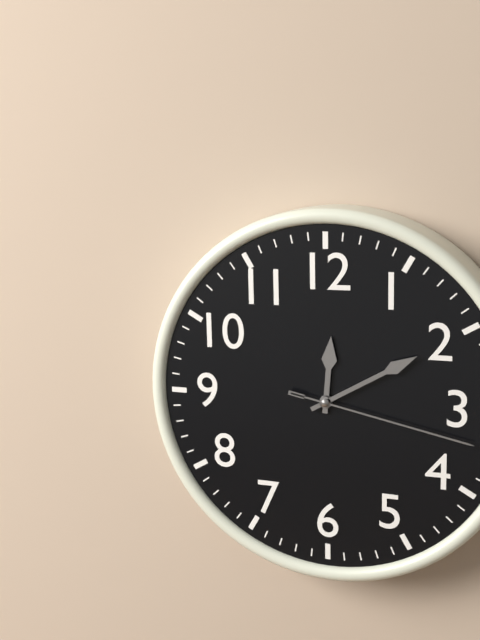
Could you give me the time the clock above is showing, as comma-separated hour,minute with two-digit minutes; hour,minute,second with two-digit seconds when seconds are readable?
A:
12,10,17
